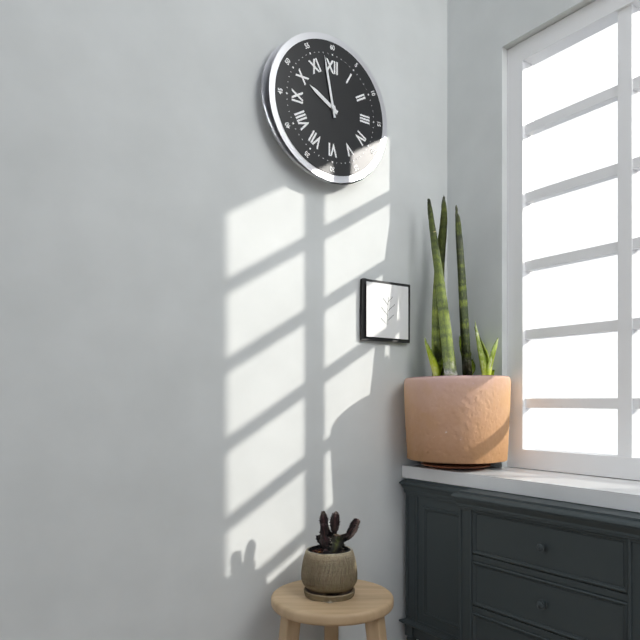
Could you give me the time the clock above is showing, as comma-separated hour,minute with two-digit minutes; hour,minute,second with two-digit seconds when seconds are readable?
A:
9,58
